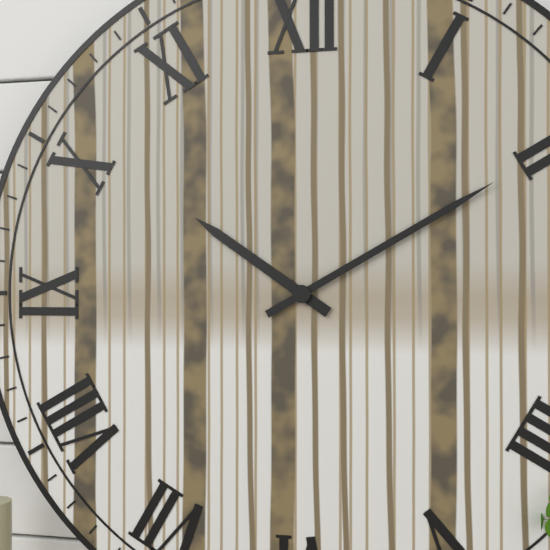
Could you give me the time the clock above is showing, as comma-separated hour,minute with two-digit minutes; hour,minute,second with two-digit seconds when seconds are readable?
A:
10,10
